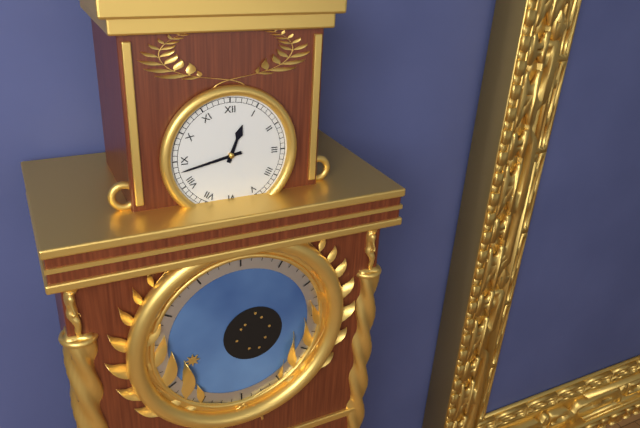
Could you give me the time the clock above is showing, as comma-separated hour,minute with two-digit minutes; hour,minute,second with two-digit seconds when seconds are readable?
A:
12,43
